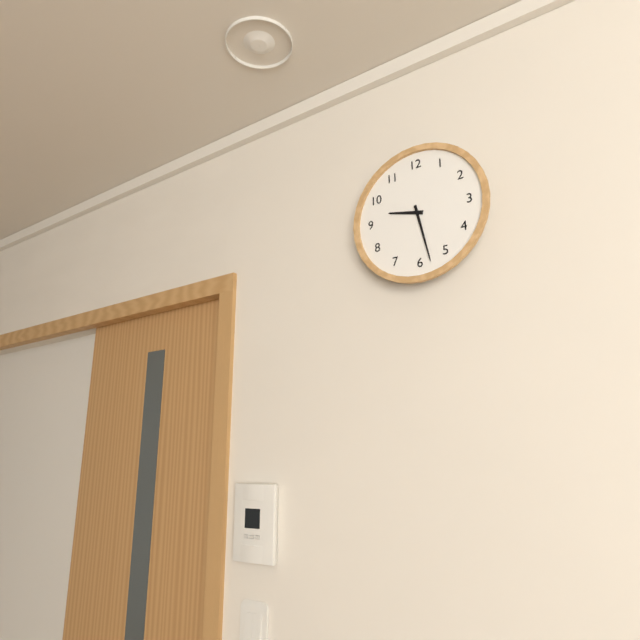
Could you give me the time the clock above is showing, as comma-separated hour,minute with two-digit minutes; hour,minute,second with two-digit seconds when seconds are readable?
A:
9,28
